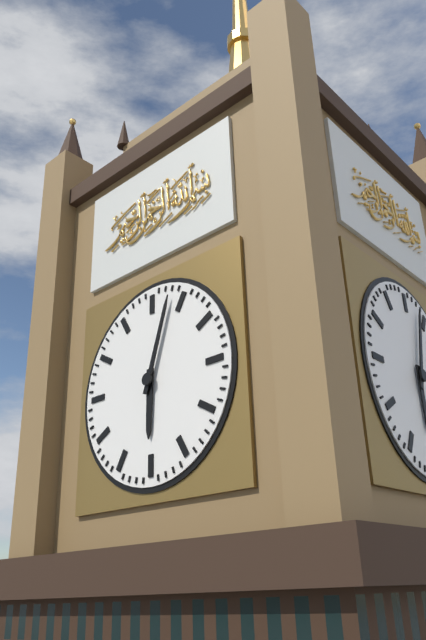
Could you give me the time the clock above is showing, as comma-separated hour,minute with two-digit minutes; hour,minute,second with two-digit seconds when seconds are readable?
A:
6,03
